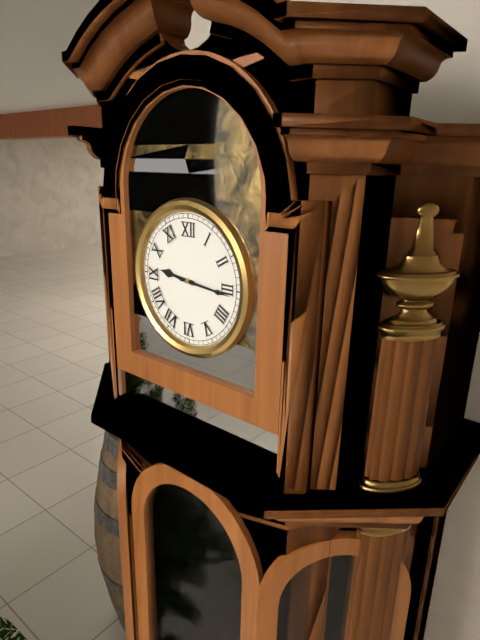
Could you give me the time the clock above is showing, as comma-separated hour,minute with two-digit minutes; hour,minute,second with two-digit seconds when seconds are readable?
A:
9,16
